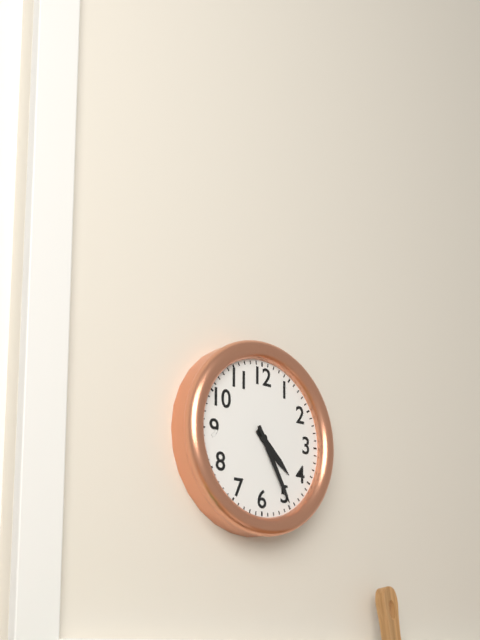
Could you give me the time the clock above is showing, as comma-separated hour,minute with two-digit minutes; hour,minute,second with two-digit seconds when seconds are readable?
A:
4,25
